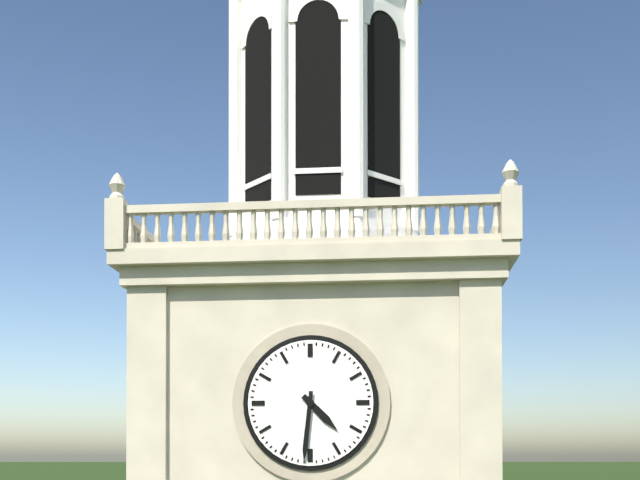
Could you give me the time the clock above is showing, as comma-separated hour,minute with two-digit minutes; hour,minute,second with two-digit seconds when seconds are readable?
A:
4,31
